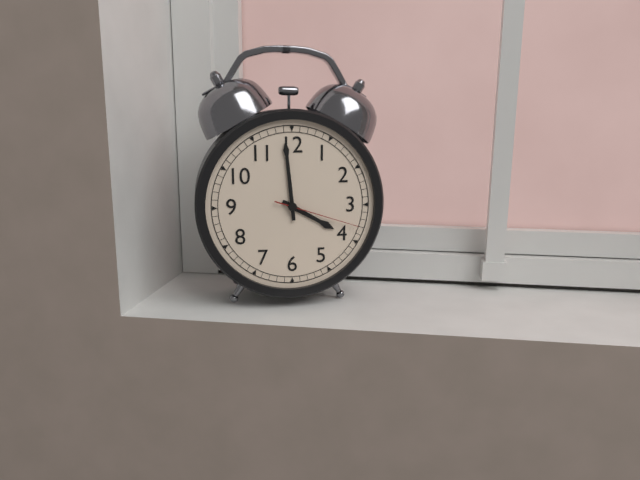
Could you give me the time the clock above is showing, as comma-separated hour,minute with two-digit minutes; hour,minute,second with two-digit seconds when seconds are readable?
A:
3,59,18
